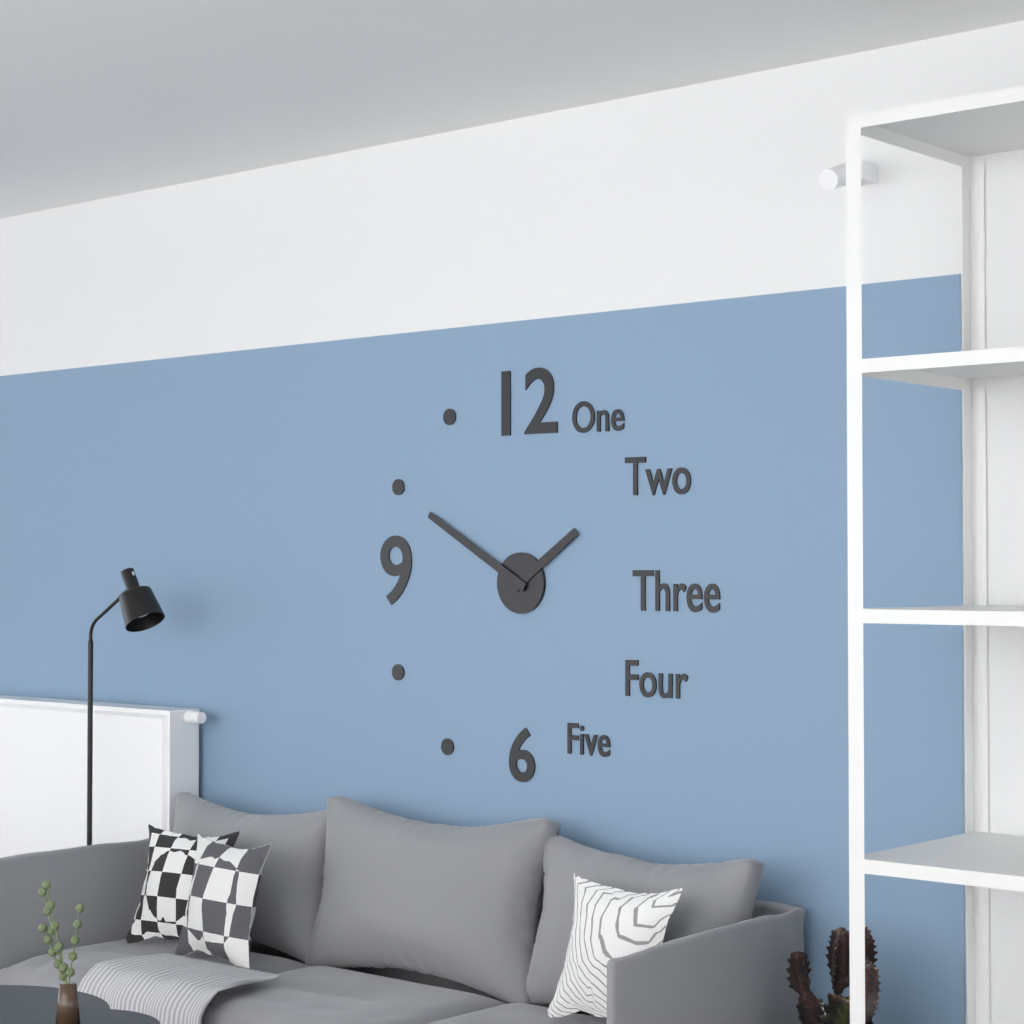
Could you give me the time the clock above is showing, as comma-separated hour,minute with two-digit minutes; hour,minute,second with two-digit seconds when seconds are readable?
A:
1,50
